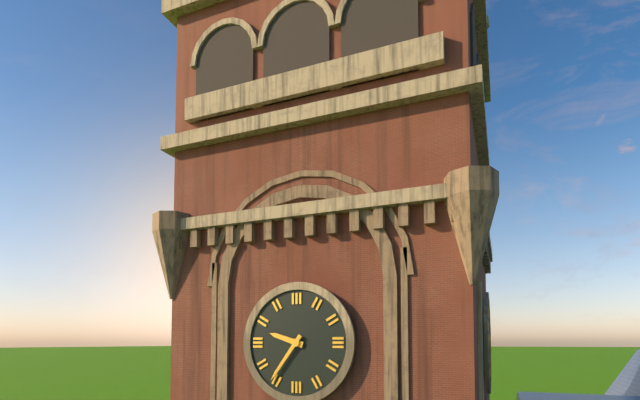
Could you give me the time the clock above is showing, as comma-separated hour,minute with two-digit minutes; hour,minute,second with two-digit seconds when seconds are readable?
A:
9,36
